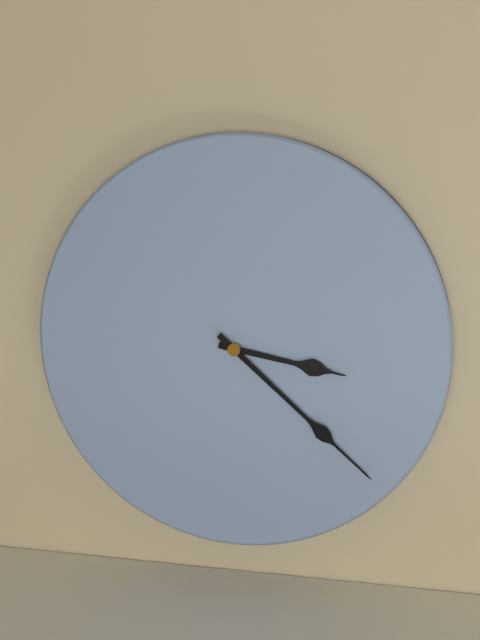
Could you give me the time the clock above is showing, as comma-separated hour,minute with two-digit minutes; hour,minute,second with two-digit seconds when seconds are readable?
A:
3,22
